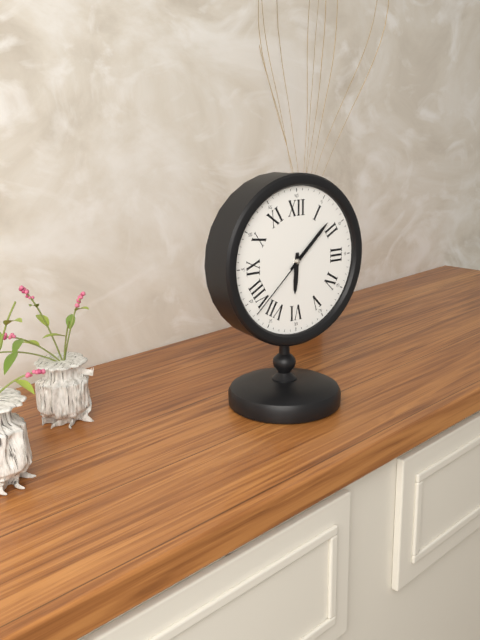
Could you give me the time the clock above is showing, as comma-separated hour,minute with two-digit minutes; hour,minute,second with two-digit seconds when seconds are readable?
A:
6,08,38
